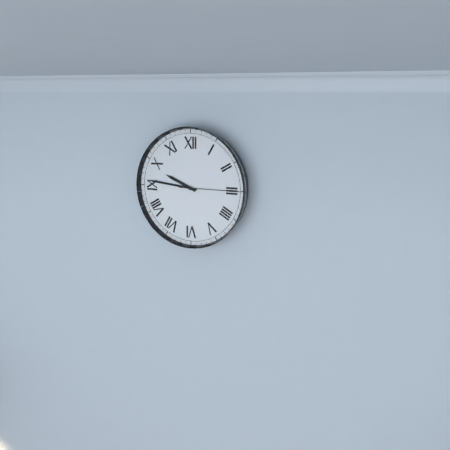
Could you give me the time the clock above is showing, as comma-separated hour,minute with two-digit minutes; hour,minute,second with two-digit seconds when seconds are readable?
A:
9,46,15
